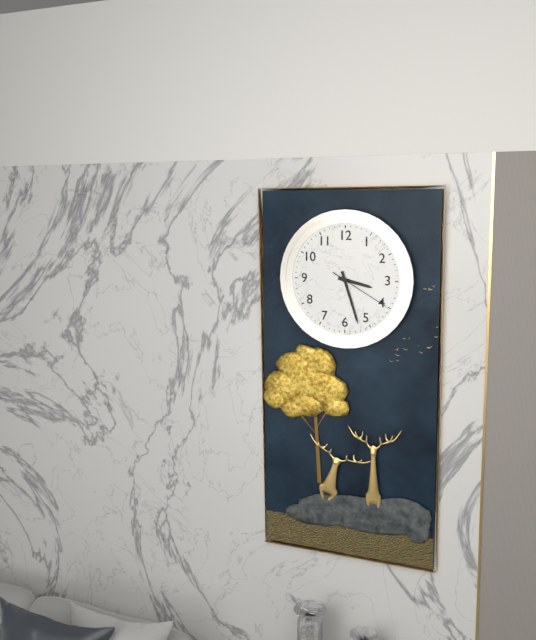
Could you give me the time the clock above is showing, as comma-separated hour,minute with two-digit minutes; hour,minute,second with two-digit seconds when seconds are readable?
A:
3,27,20
